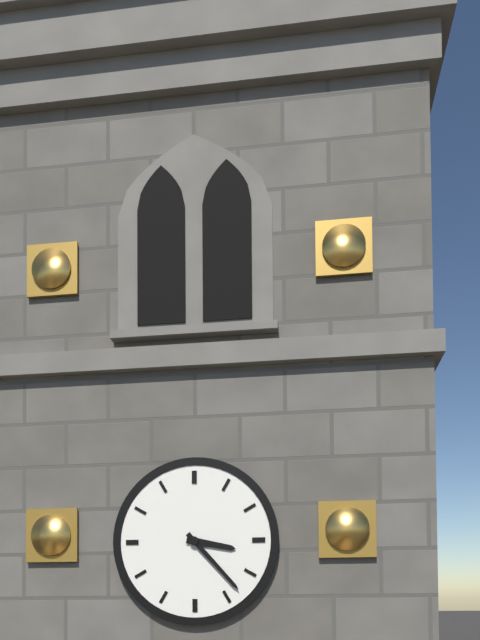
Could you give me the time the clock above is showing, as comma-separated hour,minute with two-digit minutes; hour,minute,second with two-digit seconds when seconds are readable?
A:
3,23
